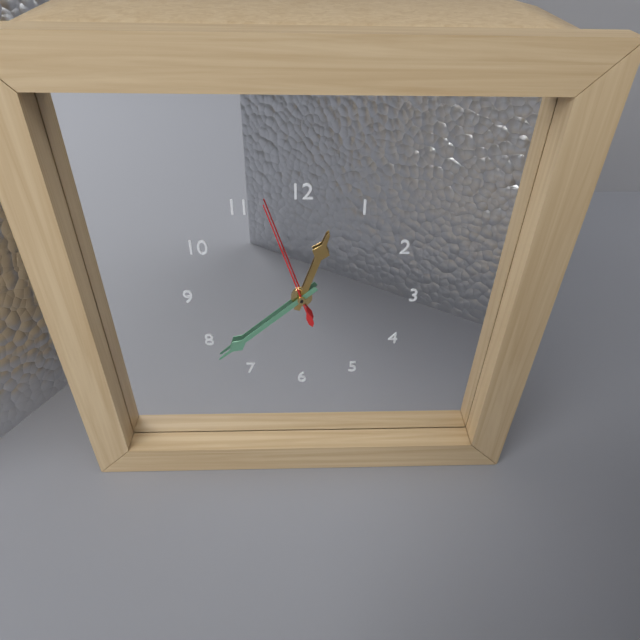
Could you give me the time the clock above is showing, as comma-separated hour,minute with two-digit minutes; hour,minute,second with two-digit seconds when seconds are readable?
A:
12,38,57
